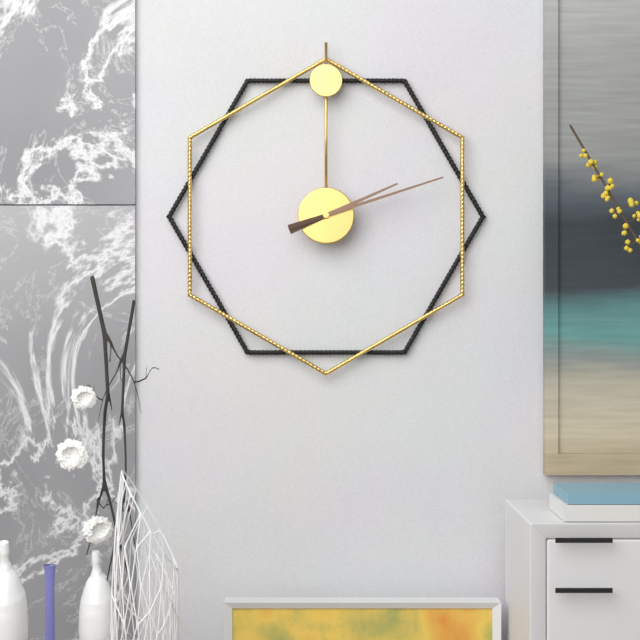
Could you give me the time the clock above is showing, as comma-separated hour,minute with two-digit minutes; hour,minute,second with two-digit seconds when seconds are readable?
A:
2,12
